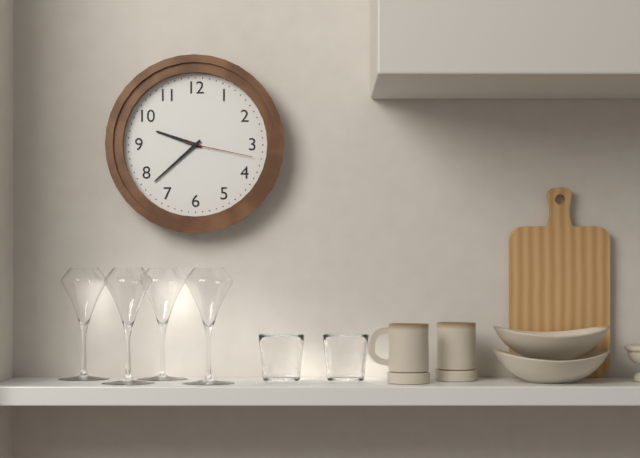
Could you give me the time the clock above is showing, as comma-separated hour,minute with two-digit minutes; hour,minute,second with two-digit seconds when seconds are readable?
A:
9,38,17
